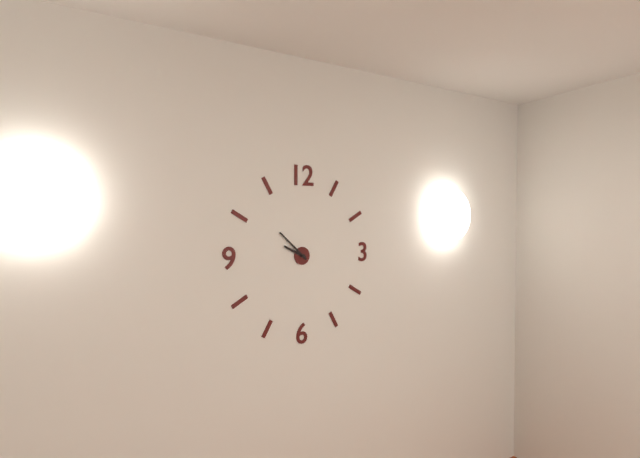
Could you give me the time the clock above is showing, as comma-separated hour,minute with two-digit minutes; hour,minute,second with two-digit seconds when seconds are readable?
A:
9,52
